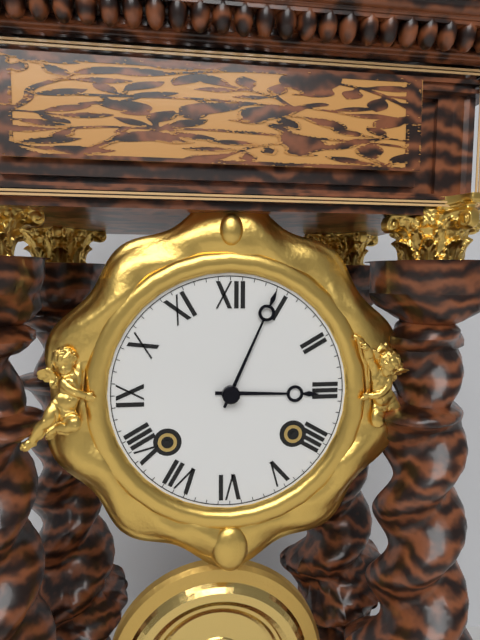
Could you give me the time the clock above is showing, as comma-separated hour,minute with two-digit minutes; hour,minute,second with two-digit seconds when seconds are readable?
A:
3,04
